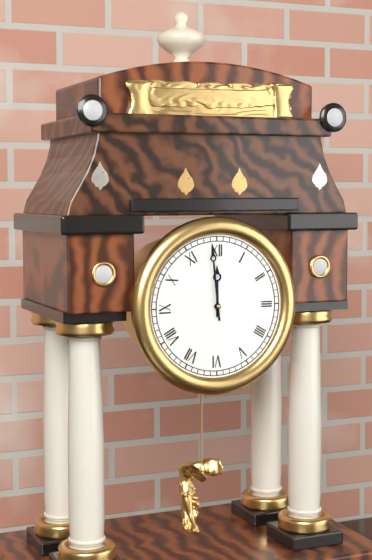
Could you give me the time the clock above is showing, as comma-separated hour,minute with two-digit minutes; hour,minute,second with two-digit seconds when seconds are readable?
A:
11,59
